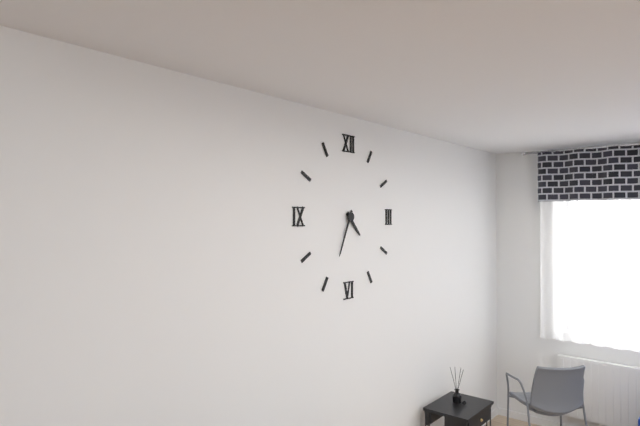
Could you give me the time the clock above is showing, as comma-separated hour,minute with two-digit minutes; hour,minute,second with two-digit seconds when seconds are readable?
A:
4,34
